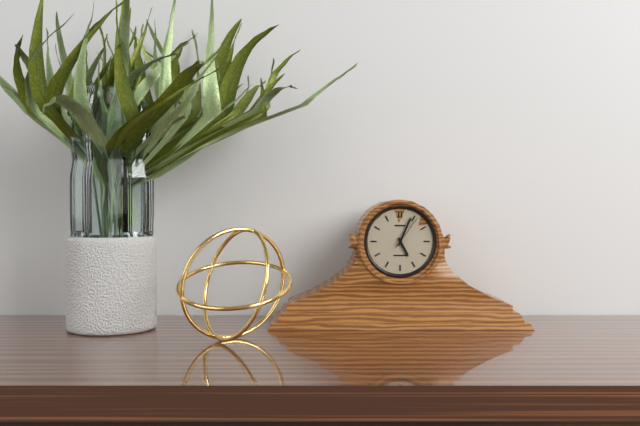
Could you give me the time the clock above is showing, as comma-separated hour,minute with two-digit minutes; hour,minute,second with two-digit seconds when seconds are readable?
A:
5,04
